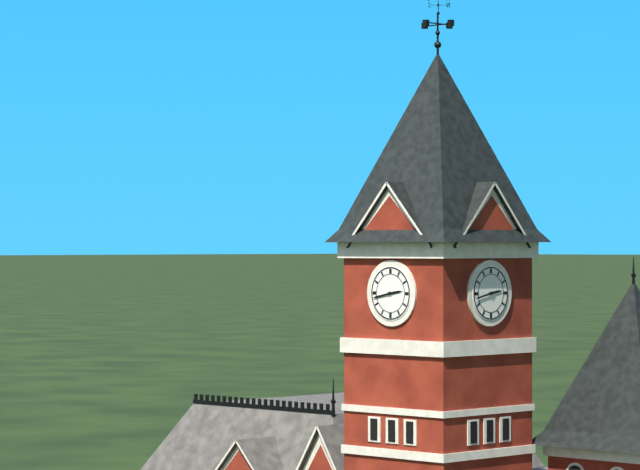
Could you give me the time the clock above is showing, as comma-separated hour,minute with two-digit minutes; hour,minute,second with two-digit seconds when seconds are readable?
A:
2,43
